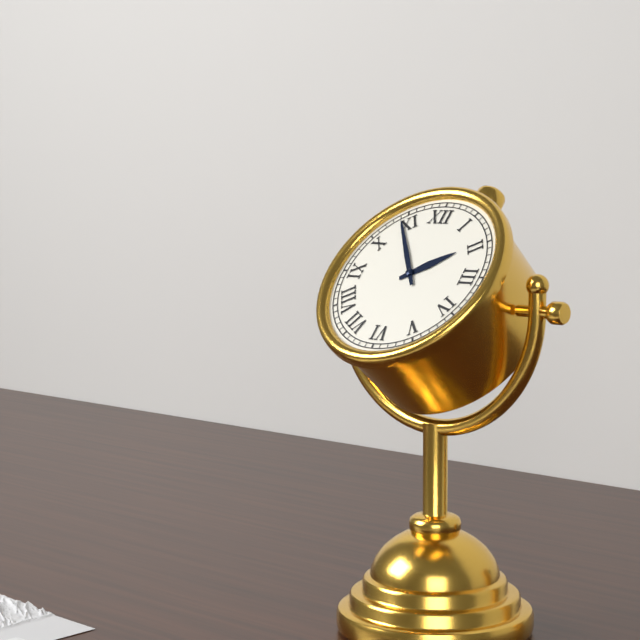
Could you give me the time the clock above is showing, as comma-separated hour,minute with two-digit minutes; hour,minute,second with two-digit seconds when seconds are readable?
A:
1,54
